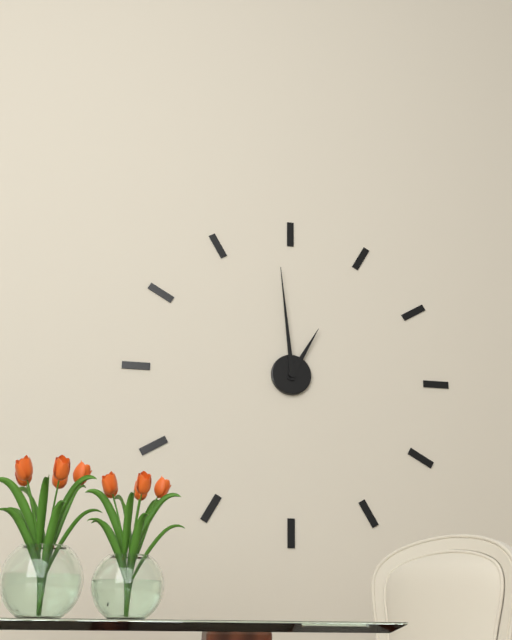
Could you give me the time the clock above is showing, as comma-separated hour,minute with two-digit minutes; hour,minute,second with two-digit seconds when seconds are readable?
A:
12,59
